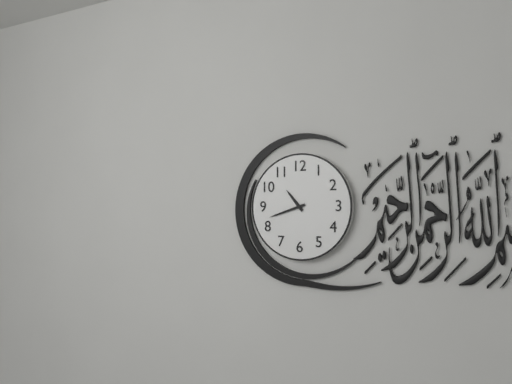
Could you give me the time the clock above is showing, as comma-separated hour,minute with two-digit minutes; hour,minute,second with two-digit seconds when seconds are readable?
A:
10,42
